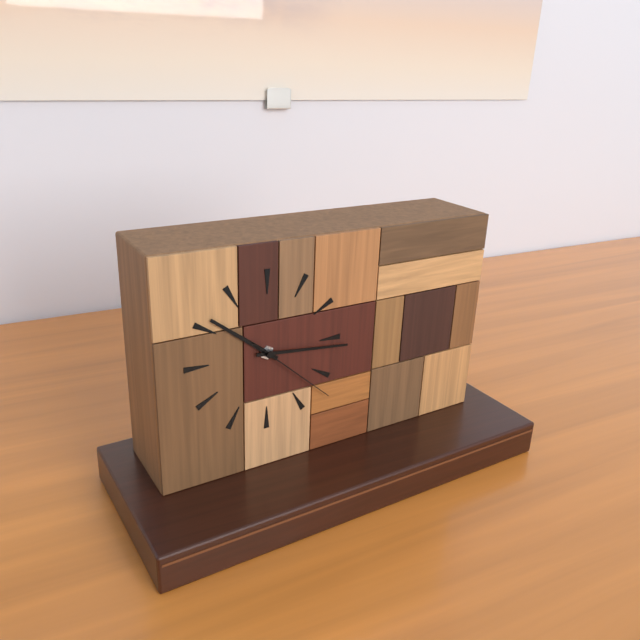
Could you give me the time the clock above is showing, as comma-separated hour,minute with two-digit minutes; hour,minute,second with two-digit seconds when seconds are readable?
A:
10,16,22
